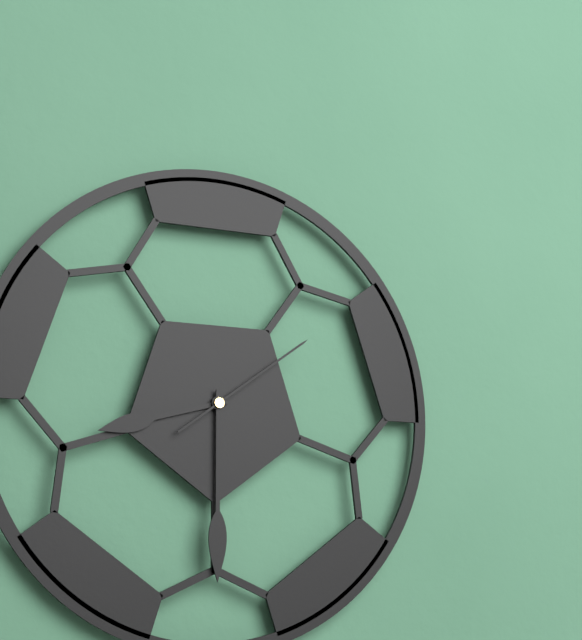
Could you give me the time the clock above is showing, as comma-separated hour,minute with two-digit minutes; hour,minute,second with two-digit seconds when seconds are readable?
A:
8,30,09
